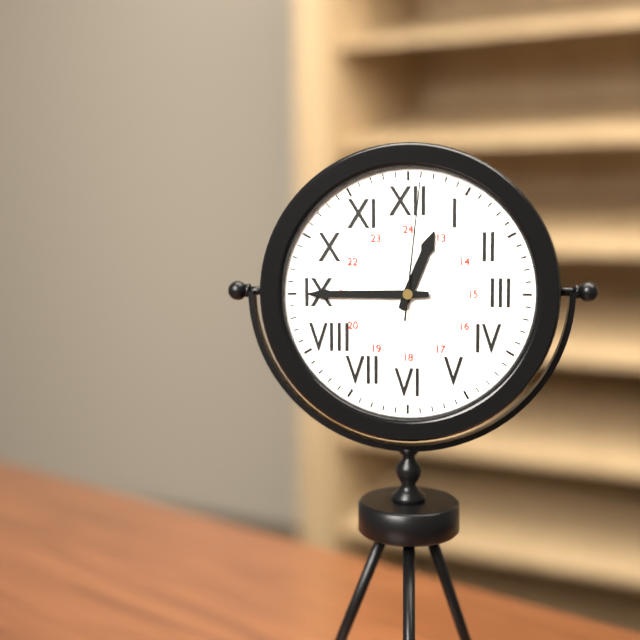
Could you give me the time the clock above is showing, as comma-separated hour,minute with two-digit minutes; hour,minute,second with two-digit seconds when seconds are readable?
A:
12,45,01
